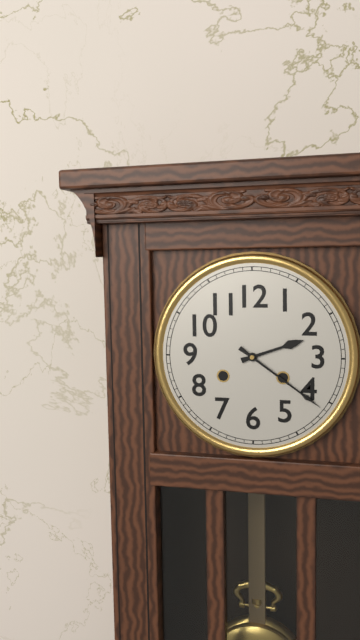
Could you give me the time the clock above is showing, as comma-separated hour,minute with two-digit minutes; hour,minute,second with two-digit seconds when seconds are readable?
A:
2,21
